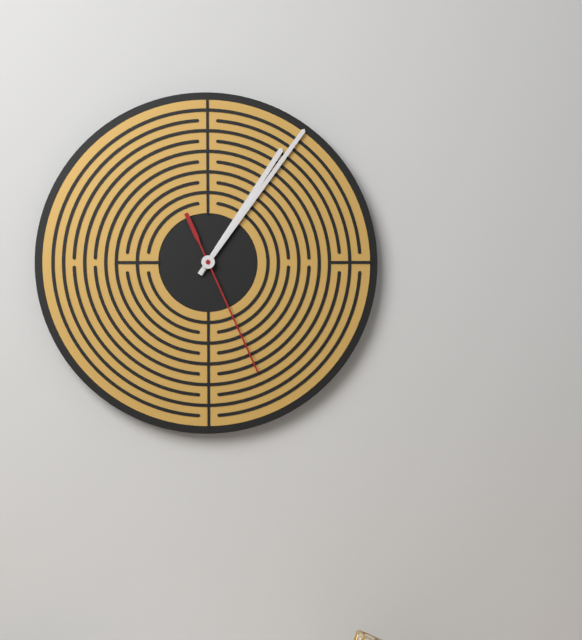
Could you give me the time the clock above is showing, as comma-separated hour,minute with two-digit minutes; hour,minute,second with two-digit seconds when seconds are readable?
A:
1,06,26
